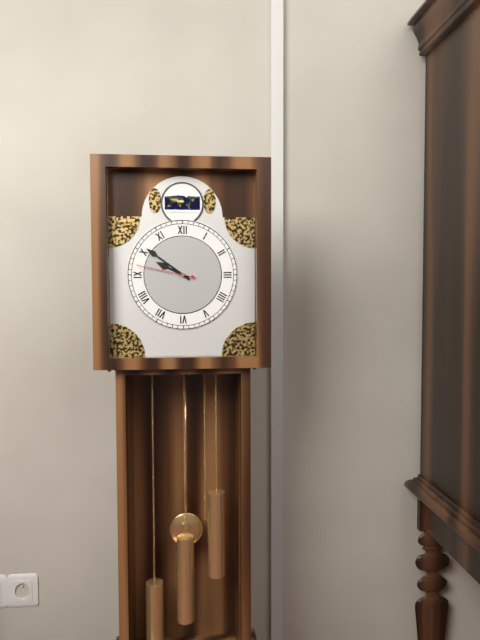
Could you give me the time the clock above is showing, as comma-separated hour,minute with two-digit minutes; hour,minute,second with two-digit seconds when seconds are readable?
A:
9,51,47
